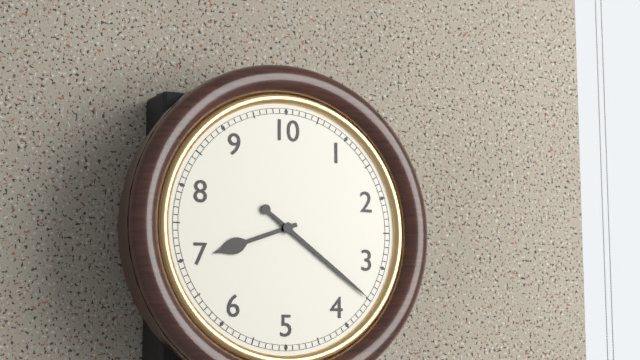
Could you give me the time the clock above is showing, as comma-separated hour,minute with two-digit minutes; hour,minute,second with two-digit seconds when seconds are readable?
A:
8,21
